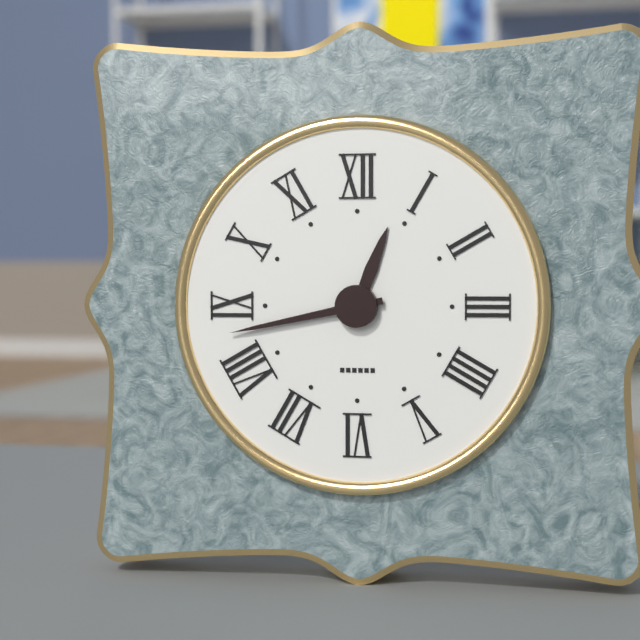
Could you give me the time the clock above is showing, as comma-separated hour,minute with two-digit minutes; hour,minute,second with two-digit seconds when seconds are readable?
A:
12,43
